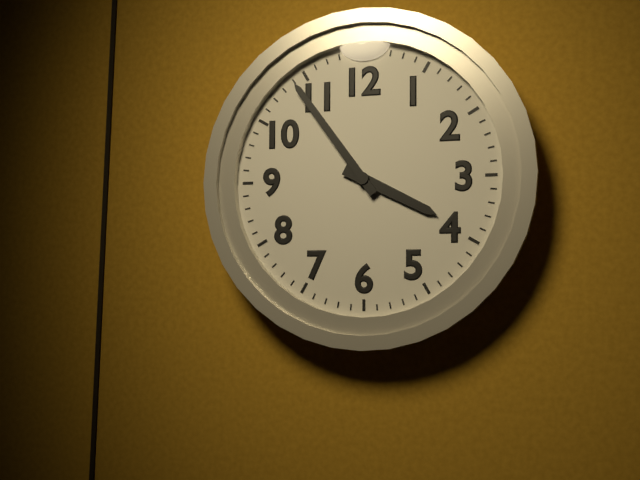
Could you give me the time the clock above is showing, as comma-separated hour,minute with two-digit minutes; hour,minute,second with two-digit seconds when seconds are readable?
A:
3,54
